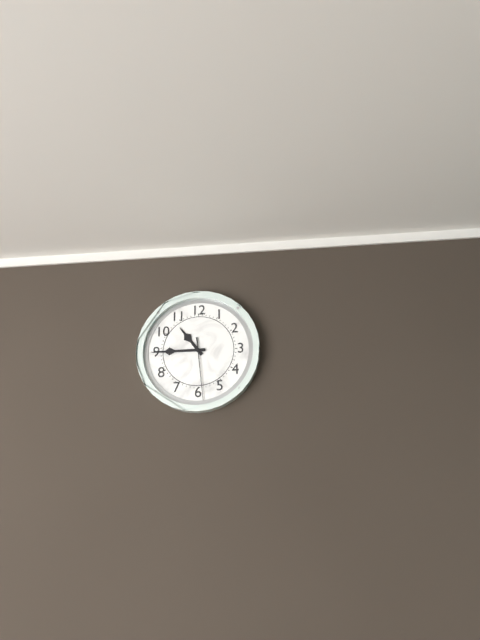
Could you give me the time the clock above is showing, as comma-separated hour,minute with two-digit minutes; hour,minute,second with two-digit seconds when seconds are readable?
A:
10,45,29
